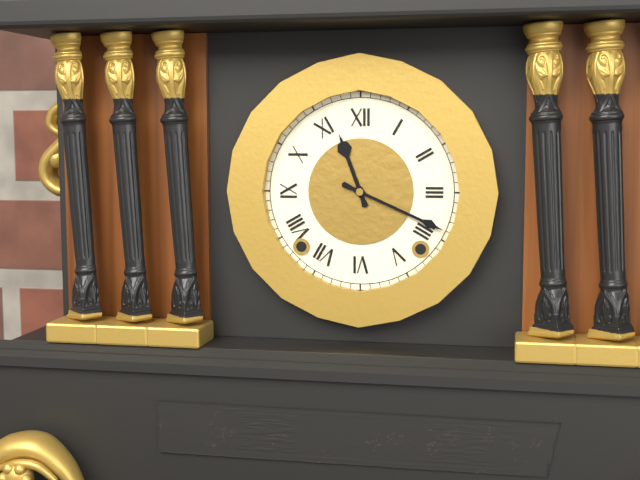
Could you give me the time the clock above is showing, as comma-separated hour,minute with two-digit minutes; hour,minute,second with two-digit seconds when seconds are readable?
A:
11,19
